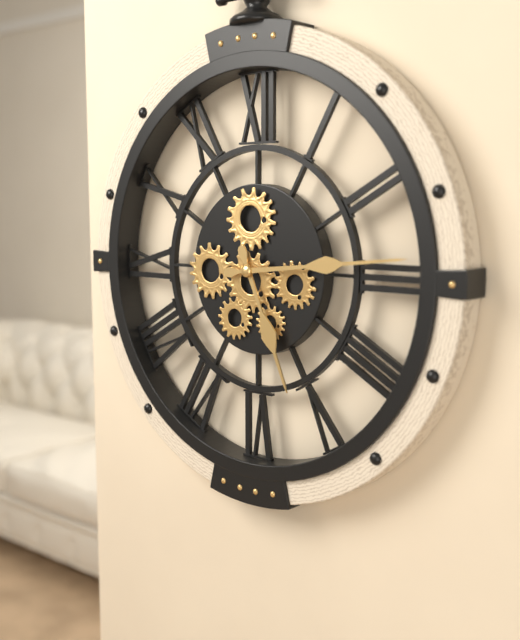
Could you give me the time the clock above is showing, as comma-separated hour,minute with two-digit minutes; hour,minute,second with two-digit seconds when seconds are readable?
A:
5,14
